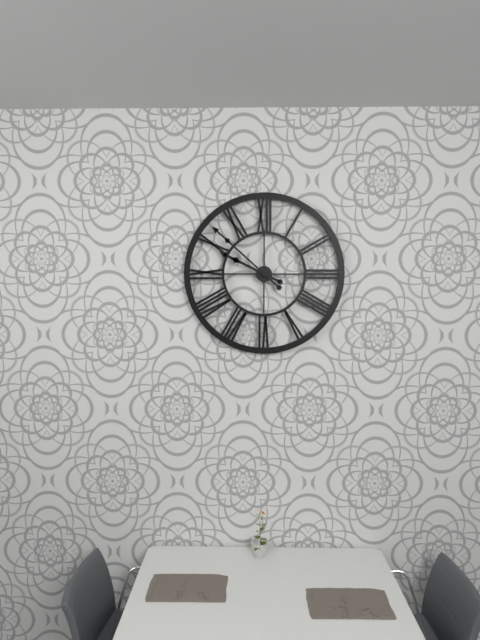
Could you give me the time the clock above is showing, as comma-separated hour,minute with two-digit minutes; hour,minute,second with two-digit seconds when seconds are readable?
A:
9,52
